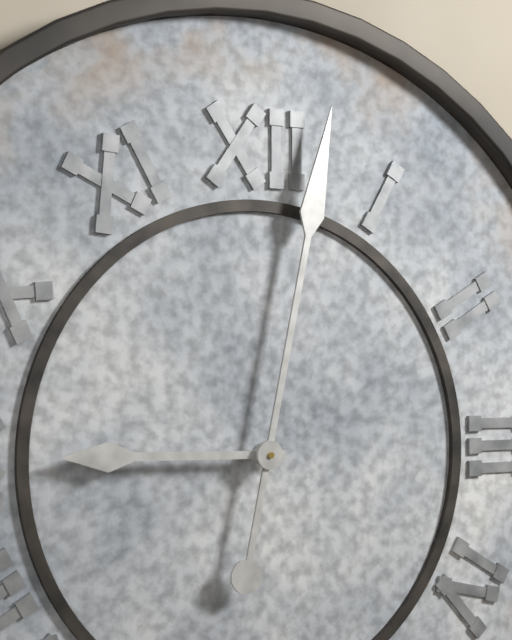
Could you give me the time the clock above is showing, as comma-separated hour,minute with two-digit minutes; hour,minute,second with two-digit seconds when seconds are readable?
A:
9,02
